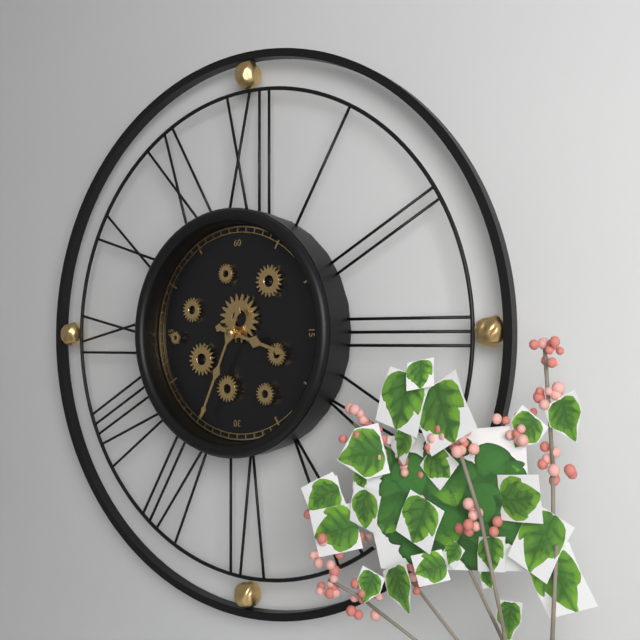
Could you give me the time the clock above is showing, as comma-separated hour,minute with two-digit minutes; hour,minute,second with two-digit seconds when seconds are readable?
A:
3,34
